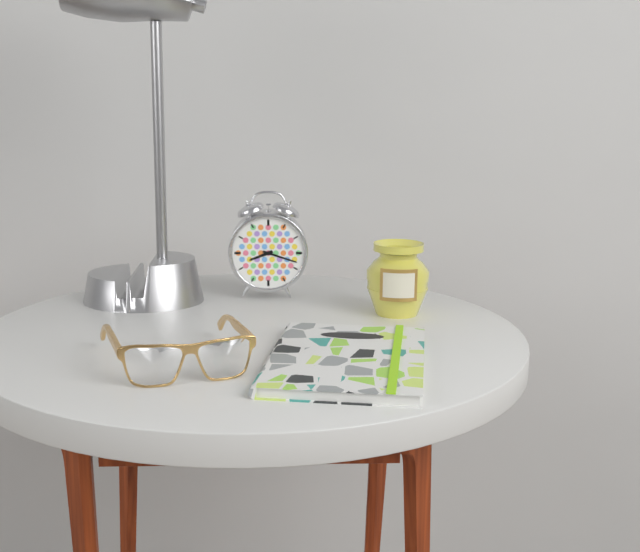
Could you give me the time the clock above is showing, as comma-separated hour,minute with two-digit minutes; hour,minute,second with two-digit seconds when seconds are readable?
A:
8,18
